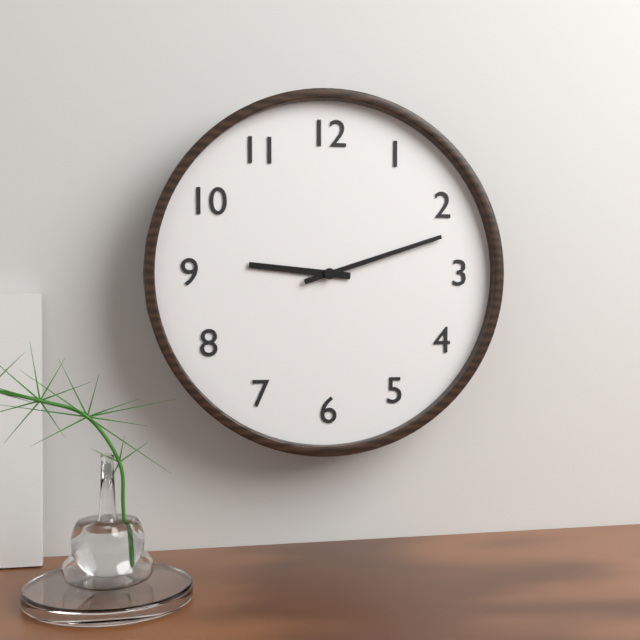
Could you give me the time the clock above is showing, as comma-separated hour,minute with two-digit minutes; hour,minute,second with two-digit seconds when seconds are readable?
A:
9,12
